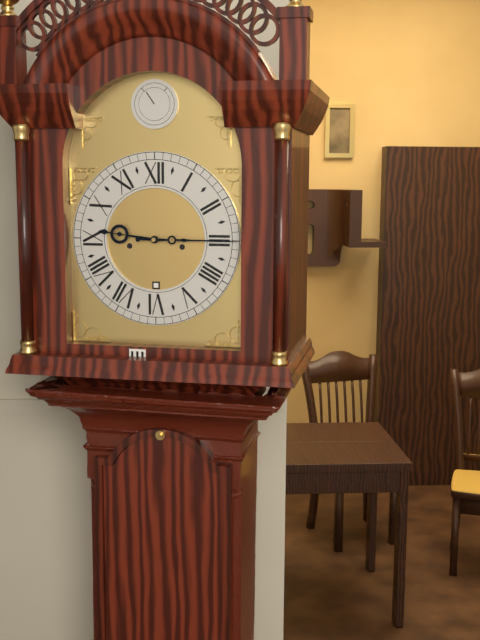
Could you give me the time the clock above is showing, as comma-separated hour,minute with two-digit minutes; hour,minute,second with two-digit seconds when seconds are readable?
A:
9,15
